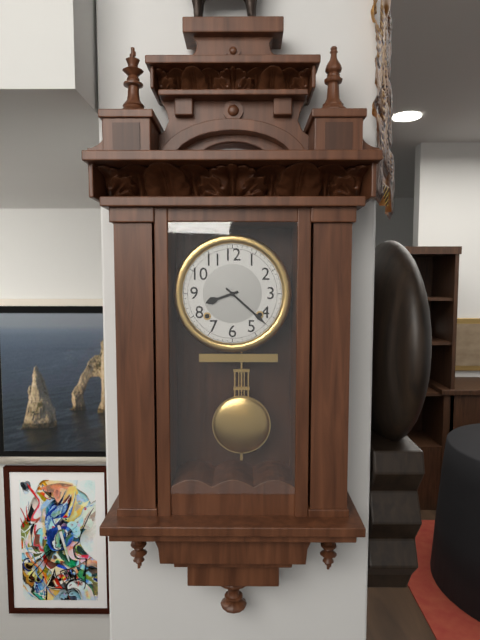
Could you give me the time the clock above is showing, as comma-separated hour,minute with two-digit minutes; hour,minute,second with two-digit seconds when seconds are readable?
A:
8,22
